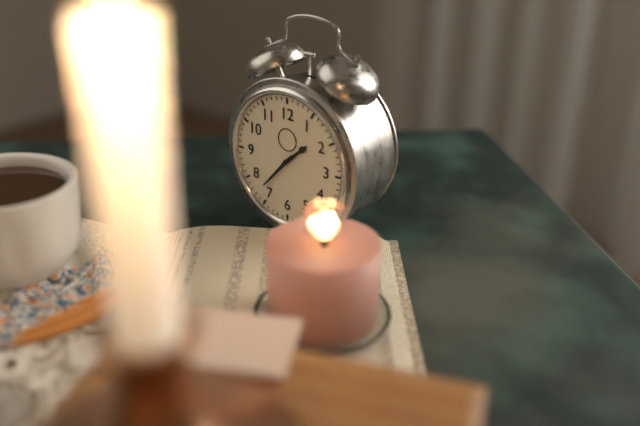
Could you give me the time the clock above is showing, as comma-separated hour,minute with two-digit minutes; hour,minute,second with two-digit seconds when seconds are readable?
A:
1,37
